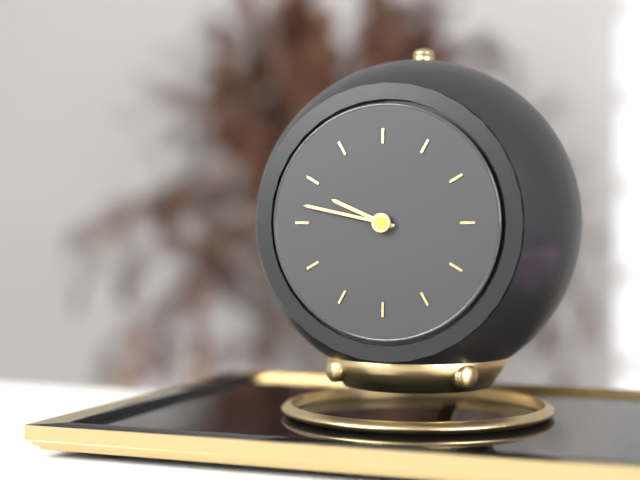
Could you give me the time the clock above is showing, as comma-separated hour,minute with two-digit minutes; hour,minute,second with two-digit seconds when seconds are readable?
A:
9,47
